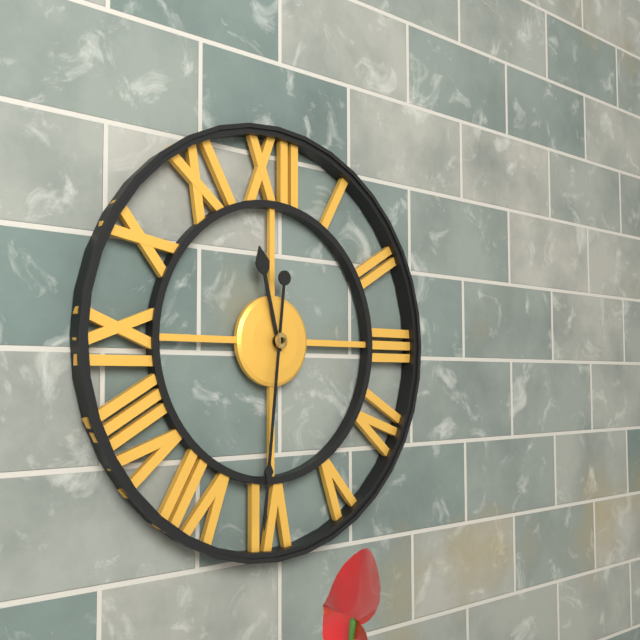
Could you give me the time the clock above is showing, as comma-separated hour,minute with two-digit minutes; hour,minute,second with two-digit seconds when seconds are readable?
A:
11,31
